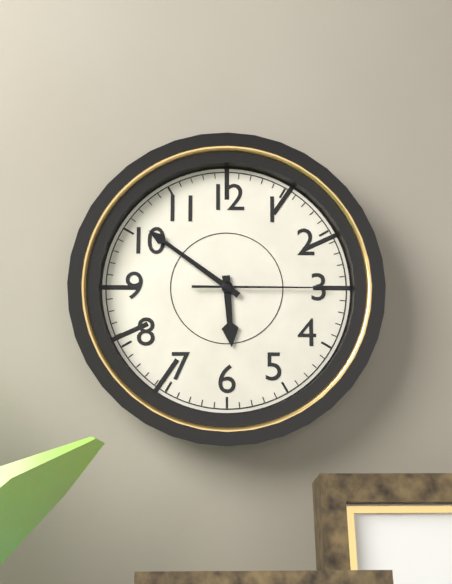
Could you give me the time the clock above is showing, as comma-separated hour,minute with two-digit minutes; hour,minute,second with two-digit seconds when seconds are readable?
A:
5,51,15
